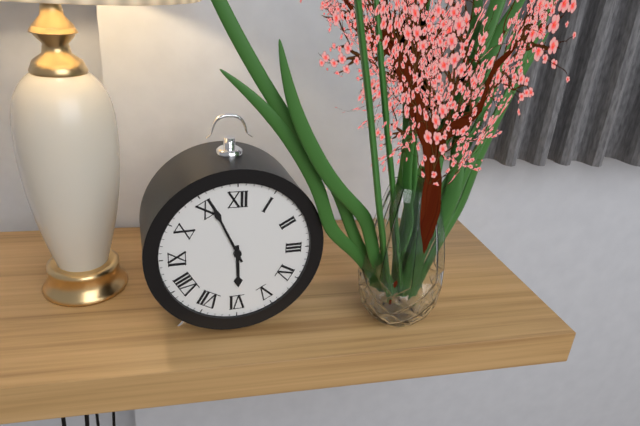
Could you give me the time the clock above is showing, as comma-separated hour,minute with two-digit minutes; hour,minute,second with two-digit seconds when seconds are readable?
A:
5,56
